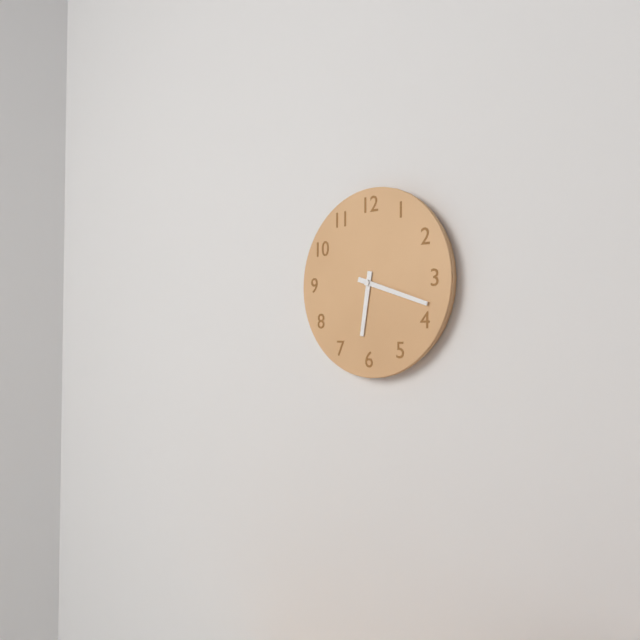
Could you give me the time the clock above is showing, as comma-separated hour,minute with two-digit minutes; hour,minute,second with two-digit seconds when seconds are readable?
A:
6,18
